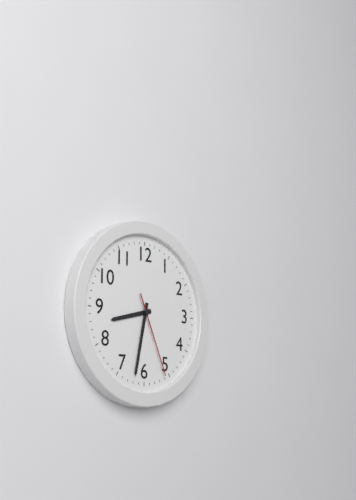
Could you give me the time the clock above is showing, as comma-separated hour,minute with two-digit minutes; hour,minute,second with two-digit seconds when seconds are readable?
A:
8,32,26
